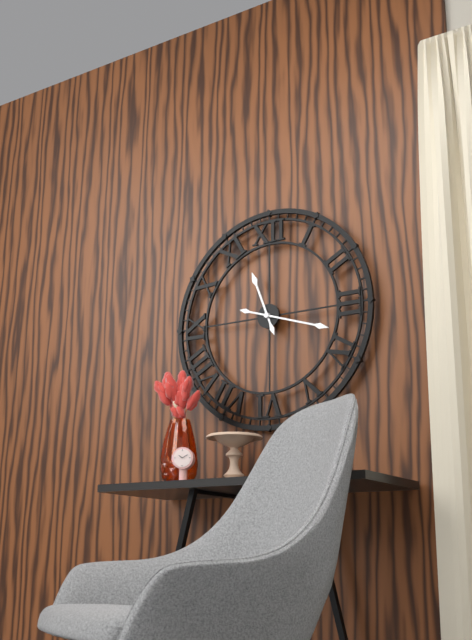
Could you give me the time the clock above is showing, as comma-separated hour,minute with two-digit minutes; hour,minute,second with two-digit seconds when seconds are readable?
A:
11,18
